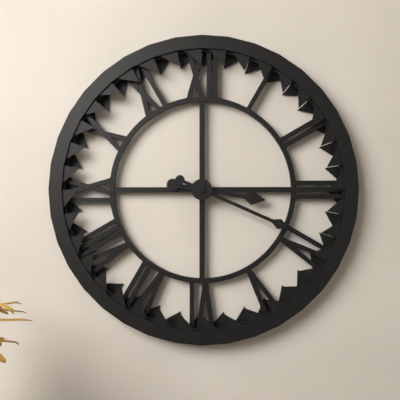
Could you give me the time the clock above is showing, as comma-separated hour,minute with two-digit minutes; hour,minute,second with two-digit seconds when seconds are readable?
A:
3,19
